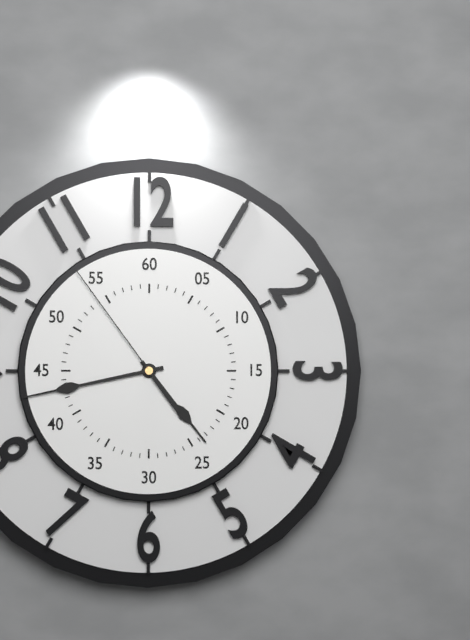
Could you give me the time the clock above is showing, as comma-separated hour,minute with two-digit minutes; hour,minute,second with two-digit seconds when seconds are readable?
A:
4,43,54
